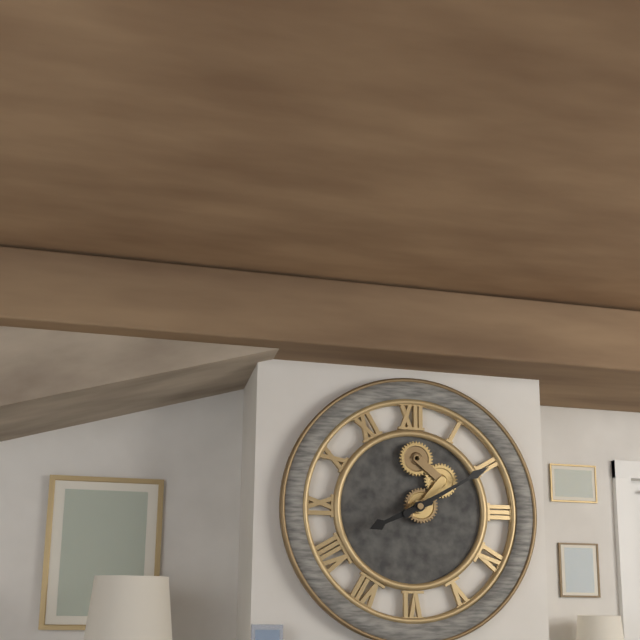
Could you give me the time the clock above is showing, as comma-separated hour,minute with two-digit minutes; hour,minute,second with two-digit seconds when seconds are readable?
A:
8,10
